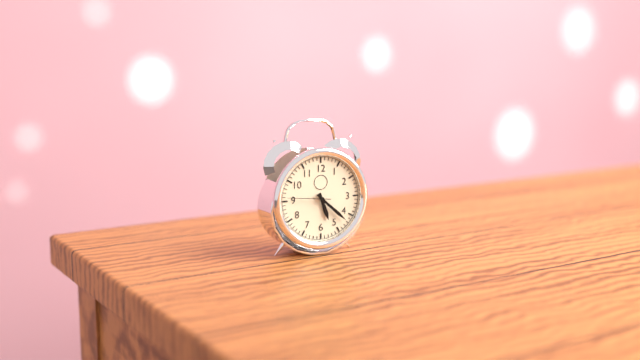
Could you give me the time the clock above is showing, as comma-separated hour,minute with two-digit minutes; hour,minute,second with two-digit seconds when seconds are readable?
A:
5,22
